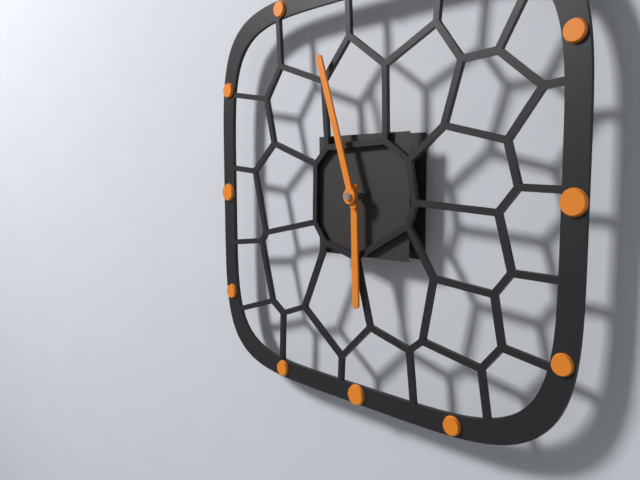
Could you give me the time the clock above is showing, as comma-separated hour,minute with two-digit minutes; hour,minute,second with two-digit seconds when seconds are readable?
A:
5,57
